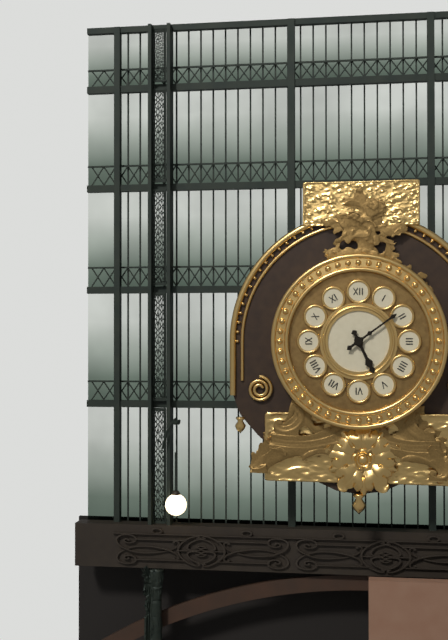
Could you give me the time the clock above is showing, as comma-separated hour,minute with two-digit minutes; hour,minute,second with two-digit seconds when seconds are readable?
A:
5,09
